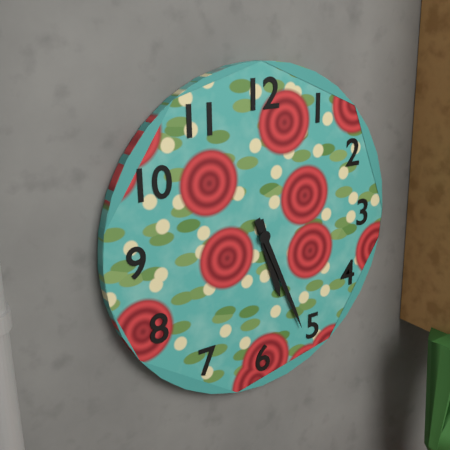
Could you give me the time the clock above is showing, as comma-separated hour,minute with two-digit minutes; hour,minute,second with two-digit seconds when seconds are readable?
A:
5,26
